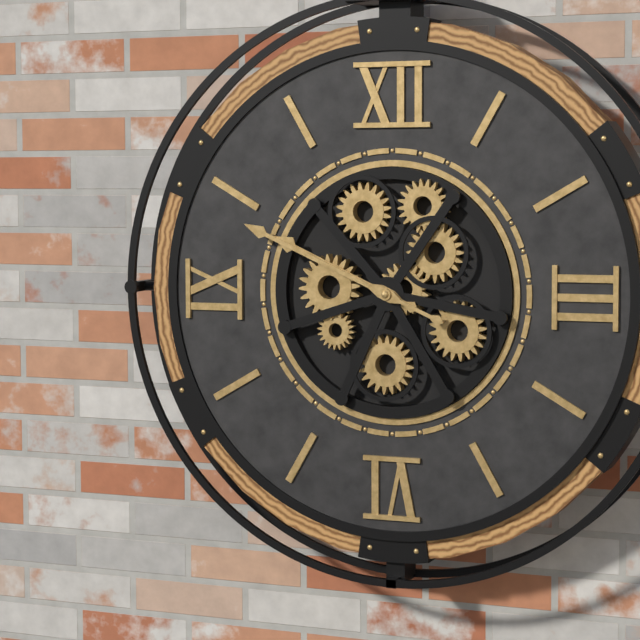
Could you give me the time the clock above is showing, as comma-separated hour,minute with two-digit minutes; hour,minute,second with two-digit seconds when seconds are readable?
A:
9,49
